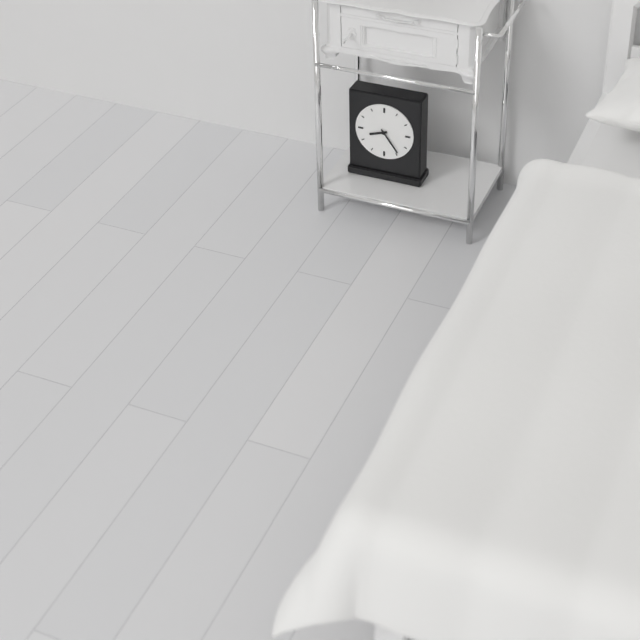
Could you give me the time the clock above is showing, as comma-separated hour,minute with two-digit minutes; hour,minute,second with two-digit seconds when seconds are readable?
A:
8,24
